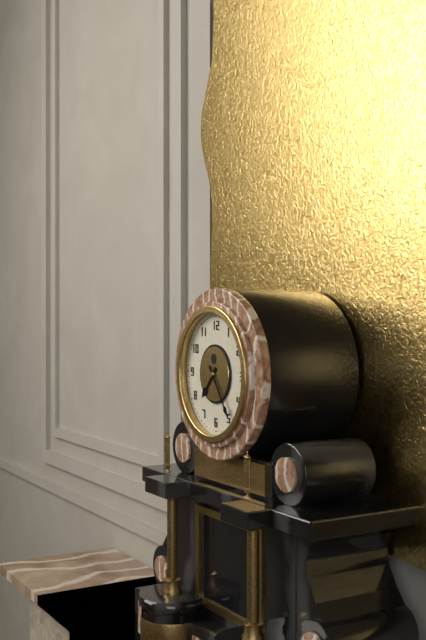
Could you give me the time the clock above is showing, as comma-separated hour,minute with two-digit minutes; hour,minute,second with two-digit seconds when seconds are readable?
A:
7,24
